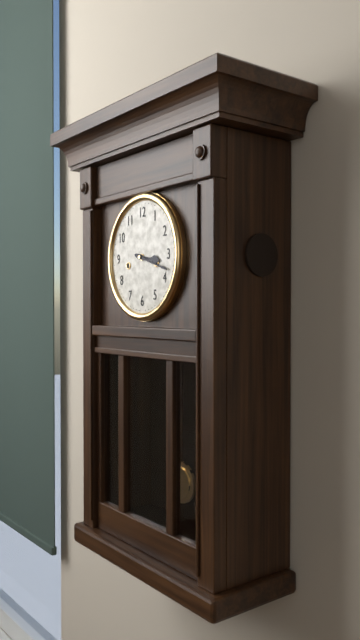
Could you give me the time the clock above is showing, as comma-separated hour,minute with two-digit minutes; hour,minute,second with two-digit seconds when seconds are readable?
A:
3,18
